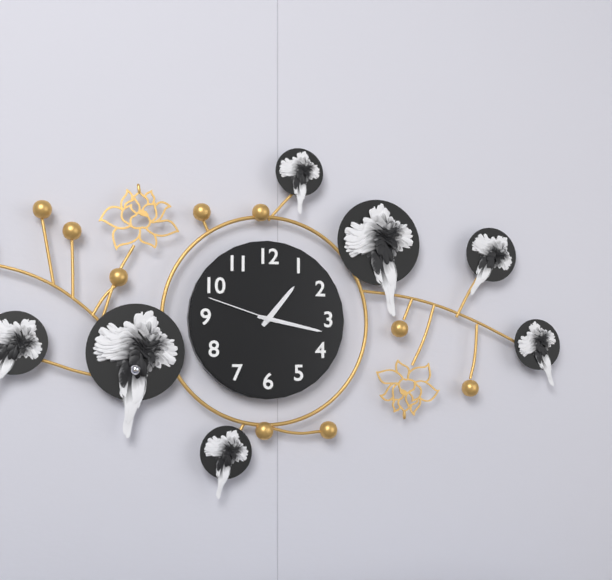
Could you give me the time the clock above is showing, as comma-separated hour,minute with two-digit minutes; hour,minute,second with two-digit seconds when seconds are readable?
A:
1,17,48
